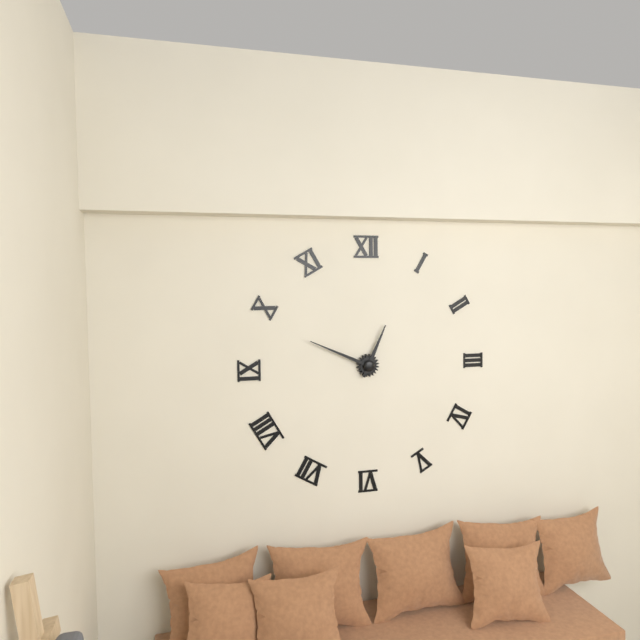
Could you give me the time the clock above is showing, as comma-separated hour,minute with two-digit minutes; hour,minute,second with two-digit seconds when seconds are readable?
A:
12,49
